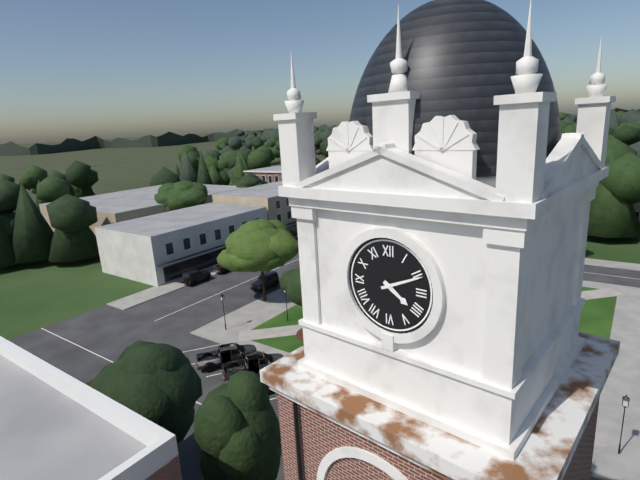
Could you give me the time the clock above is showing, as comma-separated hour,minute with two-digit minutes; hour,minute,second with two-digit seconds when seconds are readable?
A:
4,11
